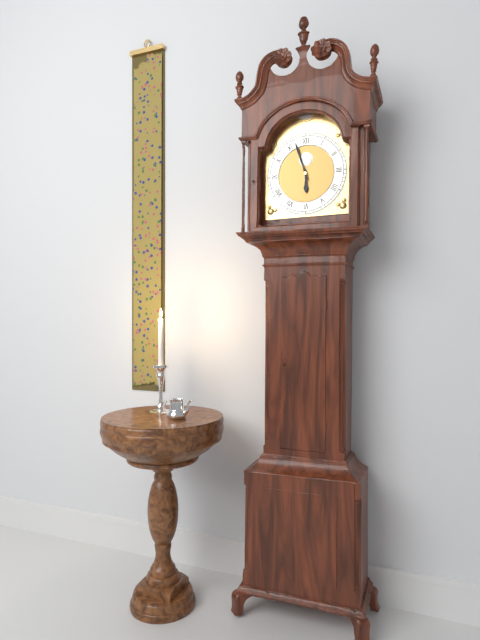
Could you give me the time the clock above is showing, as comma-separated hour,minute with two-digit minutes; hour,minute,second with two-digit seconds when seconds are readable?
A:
5,57
